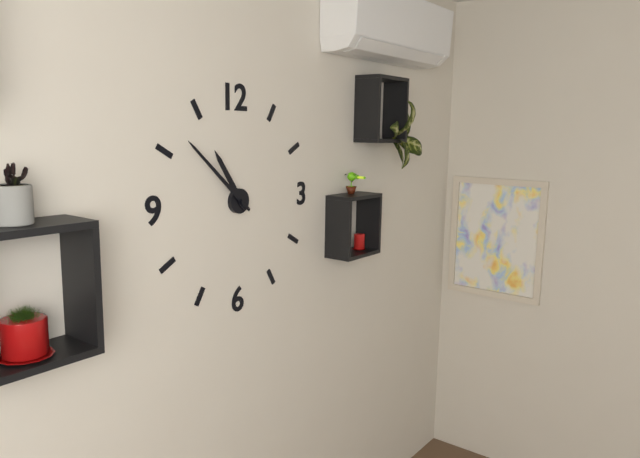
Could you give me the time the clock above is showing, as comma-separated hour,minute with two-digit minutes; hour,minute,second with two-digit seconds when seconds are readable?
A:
10,52
